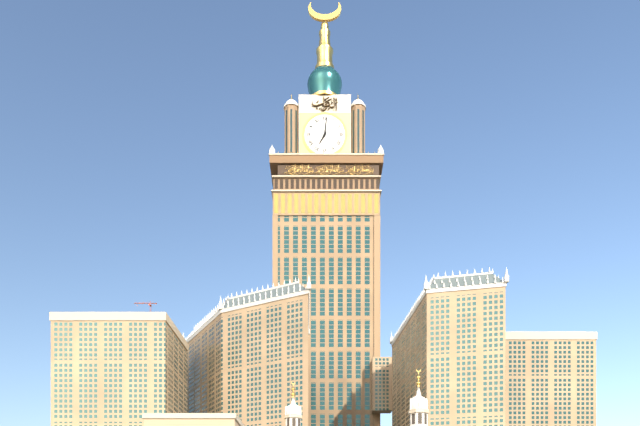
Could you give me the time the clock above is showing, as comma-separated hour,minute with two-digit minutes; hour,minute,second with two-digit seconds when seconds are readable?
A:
7,01
